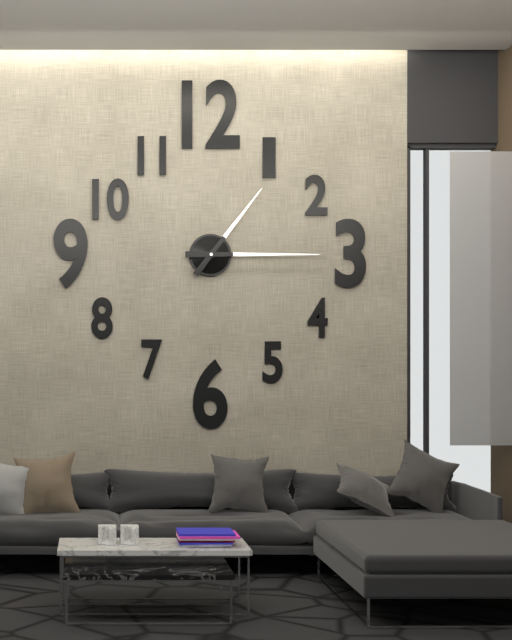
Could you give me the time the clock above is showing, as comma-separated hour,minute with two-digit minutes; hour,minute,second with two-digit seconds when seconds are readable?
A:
1,15
